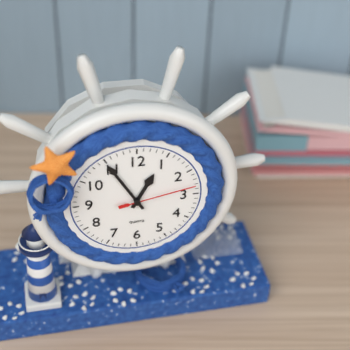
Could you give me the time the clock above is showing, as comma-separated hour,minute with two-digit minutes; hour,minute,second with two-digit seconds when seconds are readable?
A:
12,55,13
